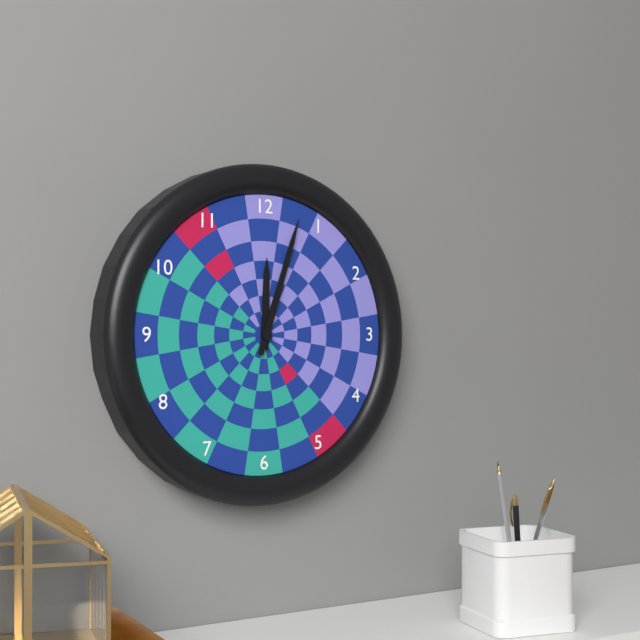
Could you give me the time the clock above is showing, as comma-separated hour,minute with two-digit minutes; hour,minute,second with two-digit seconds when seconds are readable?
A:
12,03
